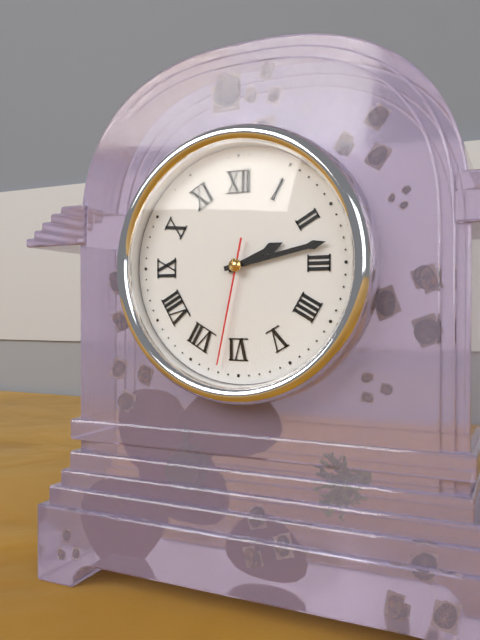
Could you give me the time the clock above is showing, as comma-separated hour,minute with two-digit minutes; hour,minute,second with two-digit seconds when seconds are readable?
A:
2,13,32
